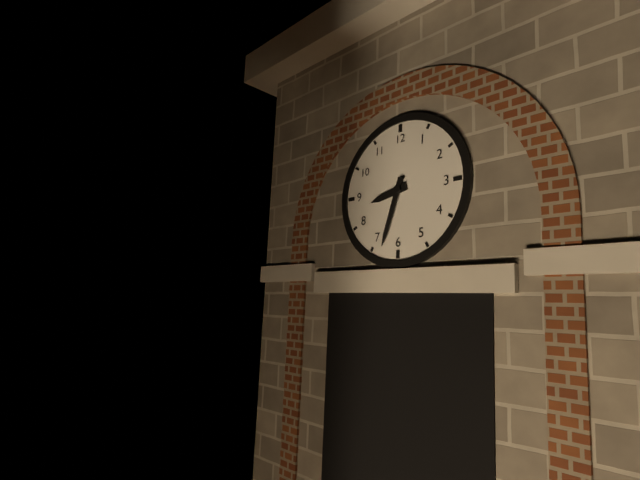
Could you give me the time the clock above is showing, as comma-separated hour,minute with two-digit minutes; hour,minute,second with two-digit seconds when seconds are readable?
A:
8,33
